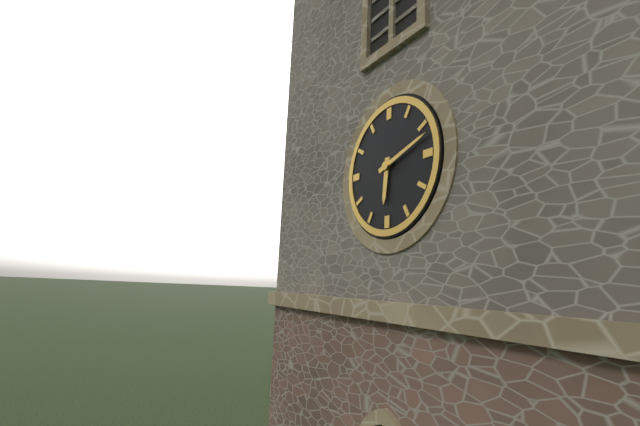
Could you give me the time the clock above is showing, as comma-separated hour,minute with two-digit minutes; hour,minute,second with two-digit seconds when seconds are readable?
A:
6,12
